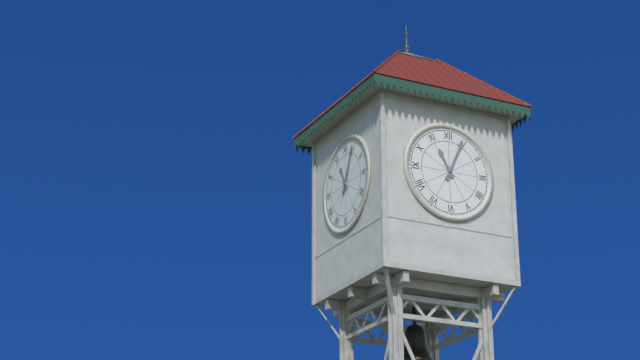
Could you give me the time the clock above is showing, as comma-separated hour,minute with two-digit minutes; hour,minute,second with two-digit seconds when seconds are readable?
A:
11,04
